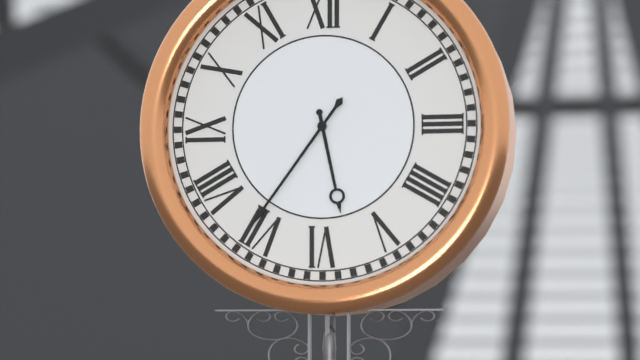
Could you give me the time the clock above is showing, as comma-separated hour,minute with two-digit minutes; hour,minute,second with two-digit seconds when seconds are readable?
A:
5,36
